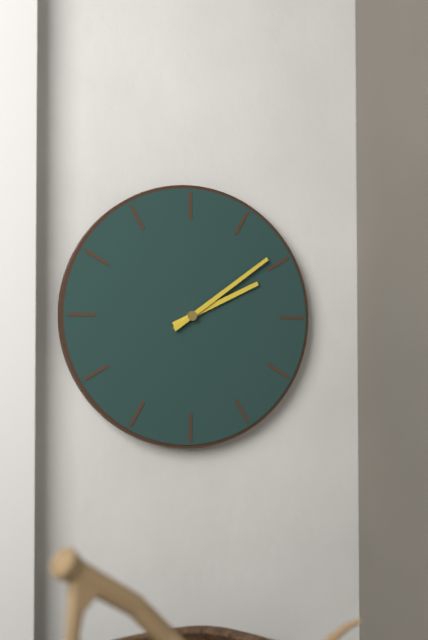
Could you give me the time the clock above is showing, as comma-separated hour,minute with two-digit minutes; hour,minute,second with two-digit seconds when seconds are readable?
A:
2,09
